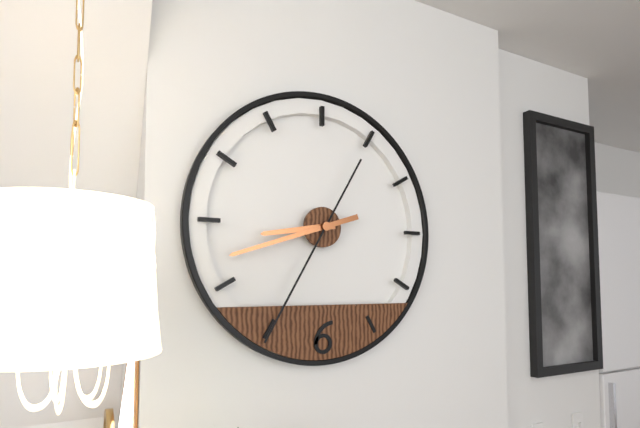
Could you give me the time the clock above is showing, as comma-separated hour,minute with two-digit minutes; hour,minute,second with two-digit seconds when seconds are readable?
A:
8,42,35
